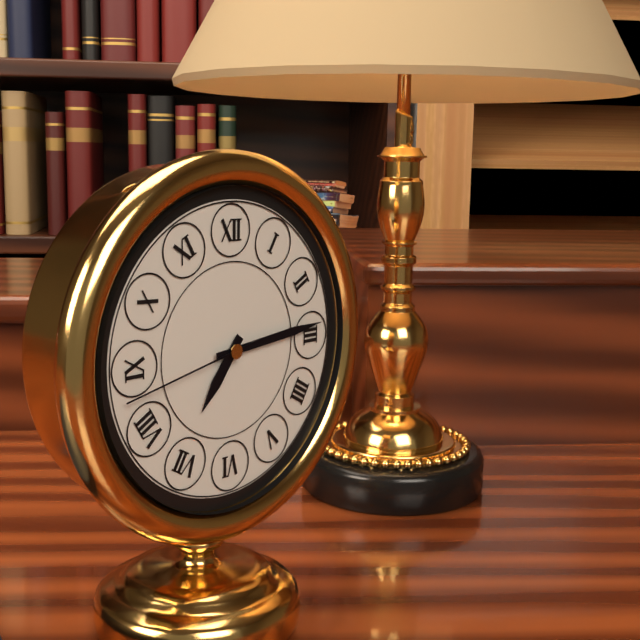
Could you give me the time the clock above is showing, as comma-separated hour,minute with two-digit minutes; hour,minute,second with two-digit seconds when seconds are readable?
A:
7,14,43
